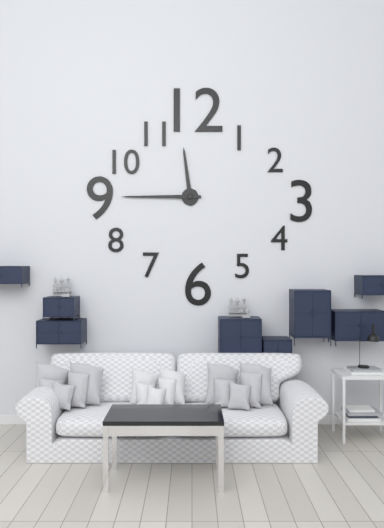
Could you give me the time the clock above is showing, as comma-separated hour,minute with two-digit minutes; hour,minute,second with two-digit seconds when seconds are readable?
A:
11,45
